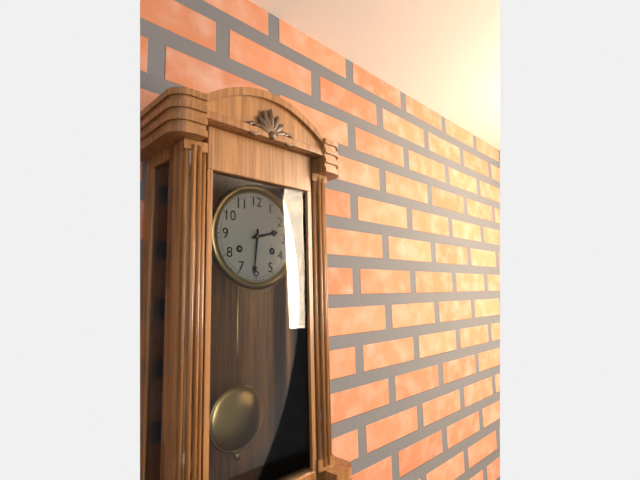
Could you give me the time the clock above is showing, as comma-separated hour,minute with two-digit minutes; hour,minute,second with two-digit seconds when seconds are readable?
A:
2,31
